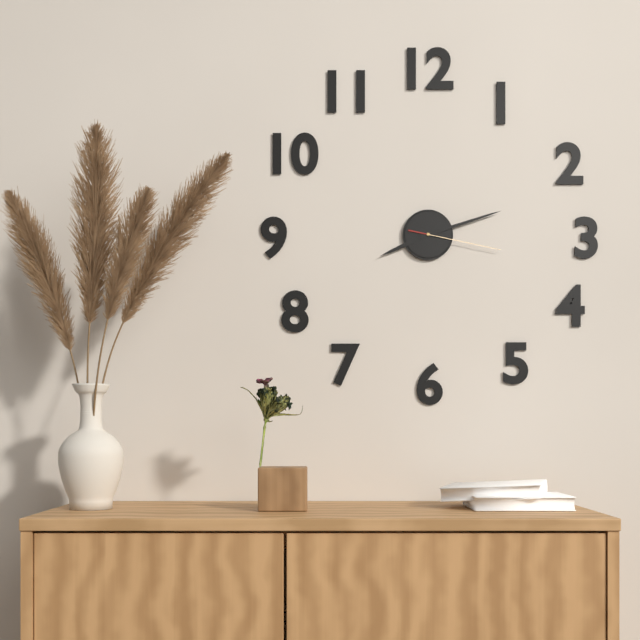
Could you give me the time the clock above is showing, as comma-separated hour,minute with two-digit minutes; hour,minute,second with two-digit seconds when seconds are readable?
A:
8,12,17
